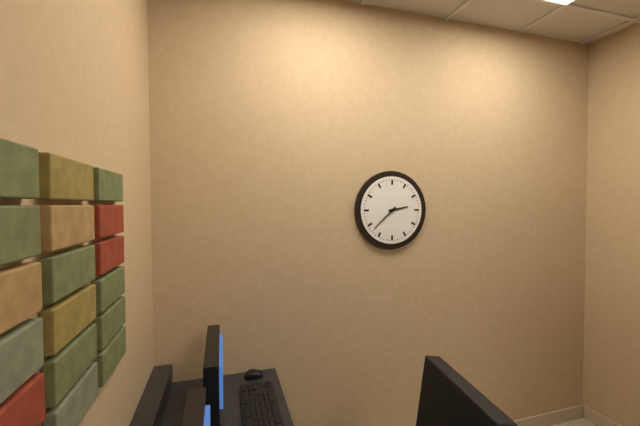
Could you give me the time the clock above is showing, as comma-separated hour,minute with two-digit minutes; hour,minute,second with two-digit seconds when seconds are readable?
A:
2,38
